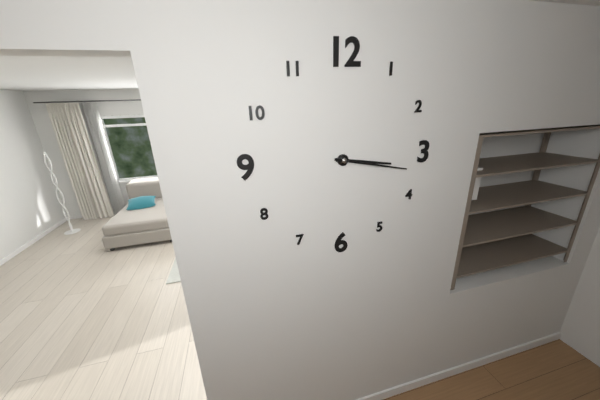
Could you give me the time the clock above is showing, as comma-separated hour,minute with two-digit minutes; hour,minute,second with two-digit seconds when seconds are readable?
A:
3,17
